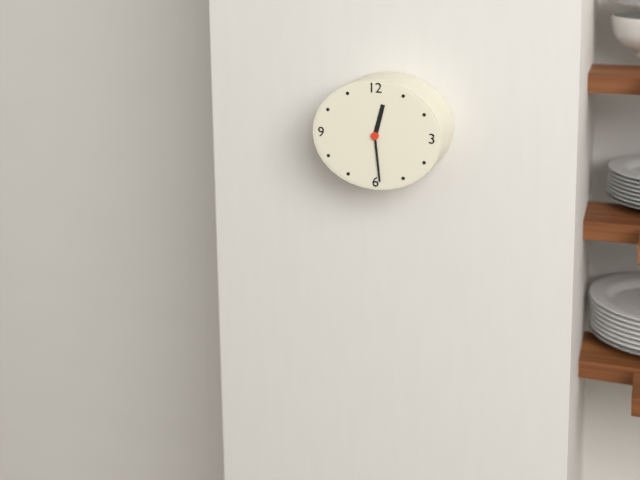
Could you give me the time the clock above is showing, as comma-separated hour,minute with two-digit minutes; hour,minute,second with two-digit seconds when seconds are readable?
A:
12,29
